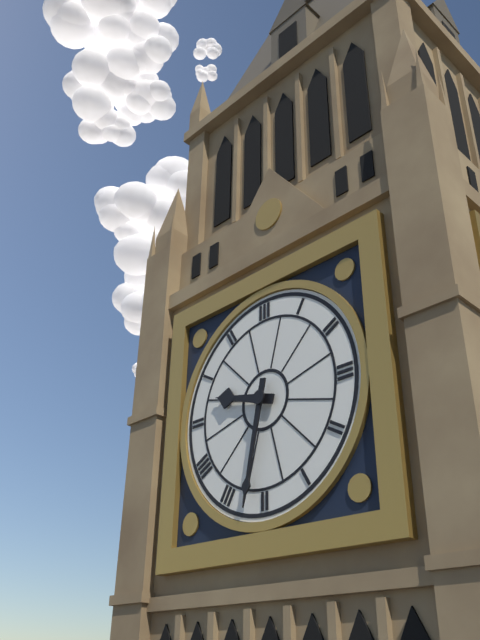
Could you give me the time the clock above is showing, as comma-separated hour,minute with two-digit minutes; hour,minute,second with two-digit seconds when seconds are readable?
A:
9,32
